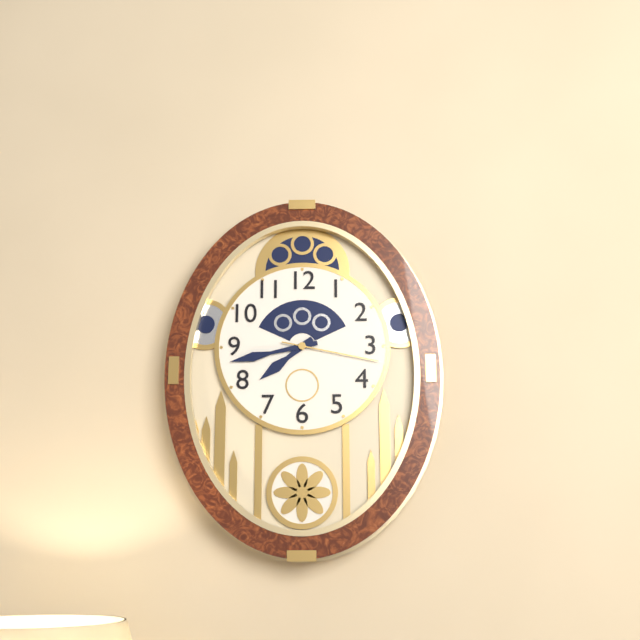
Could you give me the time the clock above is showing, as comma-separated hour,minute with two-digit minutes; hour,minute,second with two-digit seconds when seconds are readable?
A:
7,43,17
